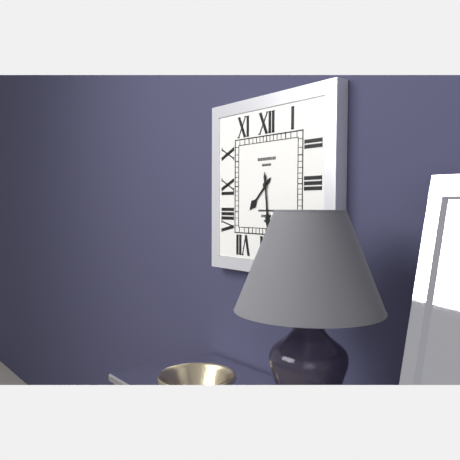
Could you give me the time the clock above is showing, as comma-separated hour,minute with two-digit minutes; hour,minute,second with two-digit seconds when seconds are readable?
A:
7,29
